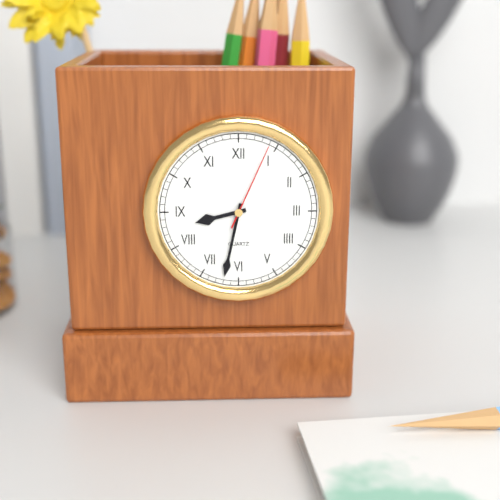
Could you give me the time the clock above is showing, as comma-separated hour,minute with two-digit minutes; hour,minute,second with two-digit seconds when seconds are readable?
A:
8,32,04
